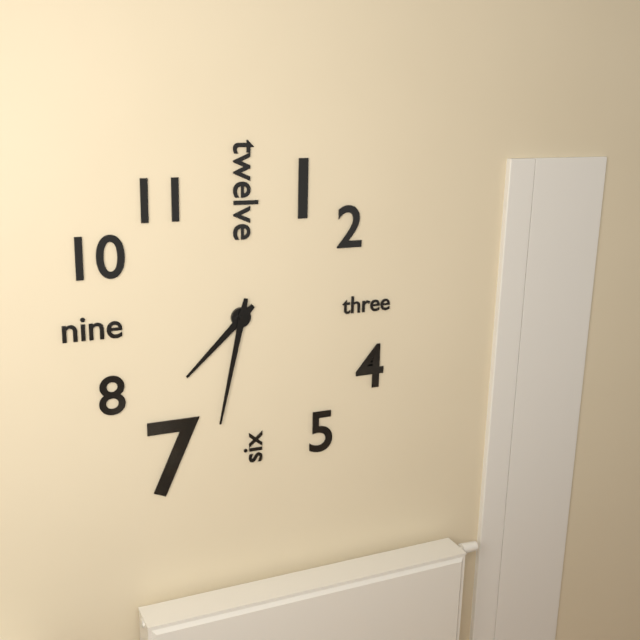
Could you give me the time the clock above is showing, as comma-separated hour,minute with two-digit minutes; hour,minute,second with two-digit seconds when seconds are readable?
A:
7,32
